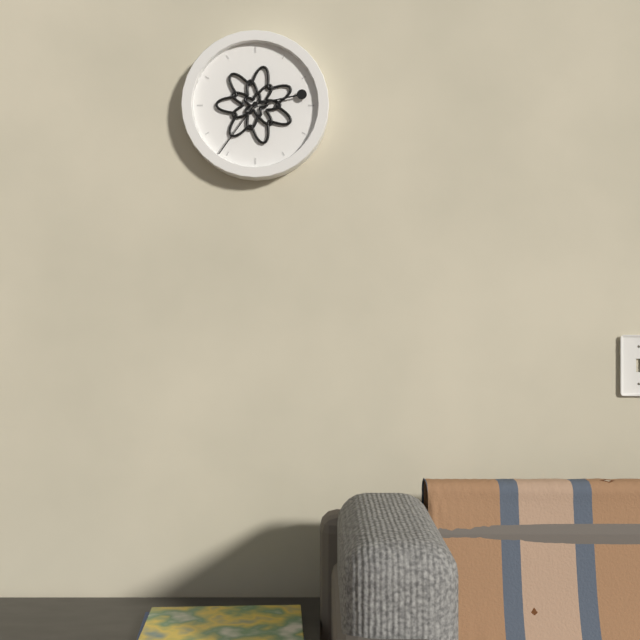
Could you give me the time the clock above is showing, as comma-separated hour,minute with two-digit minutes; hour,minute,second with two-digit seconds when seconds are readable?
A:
2,36
